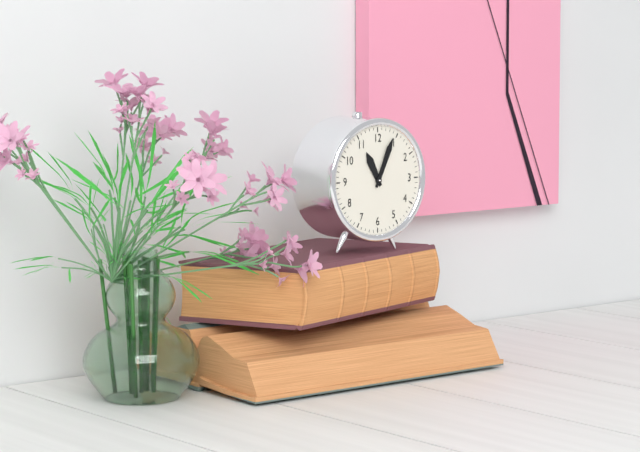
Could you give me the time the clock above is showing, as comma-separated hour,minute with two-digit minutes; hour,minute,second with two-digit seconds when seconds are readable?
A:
11,04
